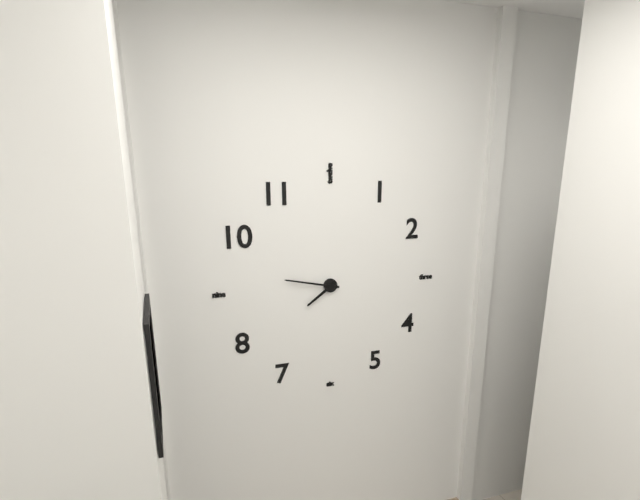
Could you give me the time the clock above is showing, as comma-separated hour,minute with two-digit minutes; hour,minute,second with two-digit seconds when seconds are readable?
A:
7,47
